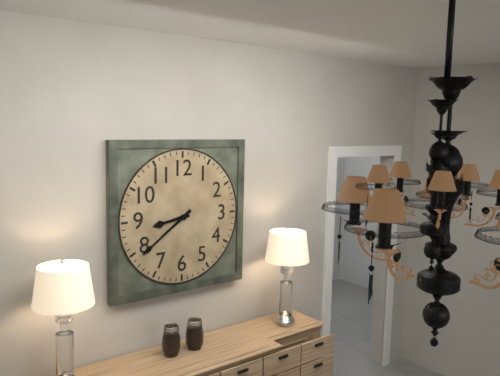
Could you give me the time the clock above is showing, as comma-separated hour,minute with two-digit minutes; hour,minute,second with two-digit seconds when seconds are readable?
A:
8,39
